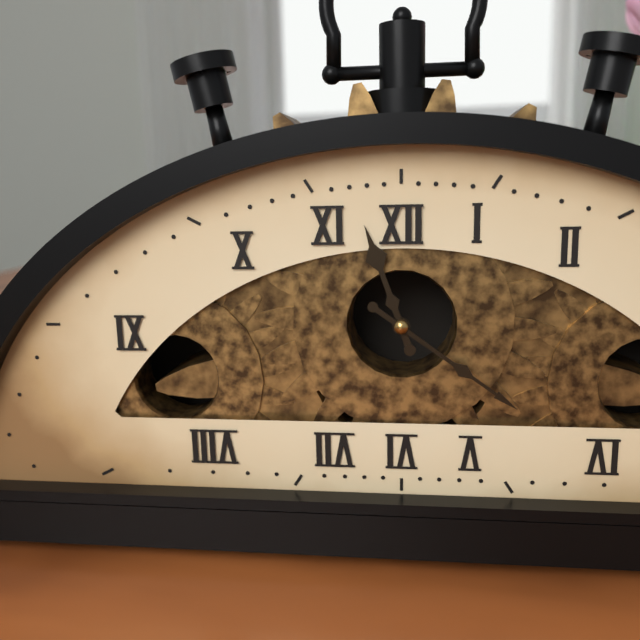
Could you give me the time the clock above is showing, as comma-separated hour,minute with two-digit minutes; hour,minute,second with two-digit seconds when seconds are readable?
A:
11,21
